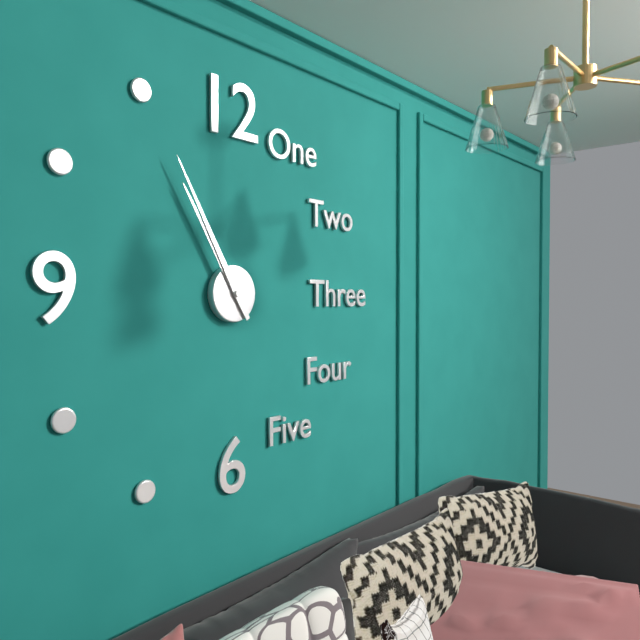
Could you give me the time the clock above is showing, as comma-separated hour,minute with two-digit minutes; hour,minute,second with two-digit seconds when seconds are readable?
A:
10,55
